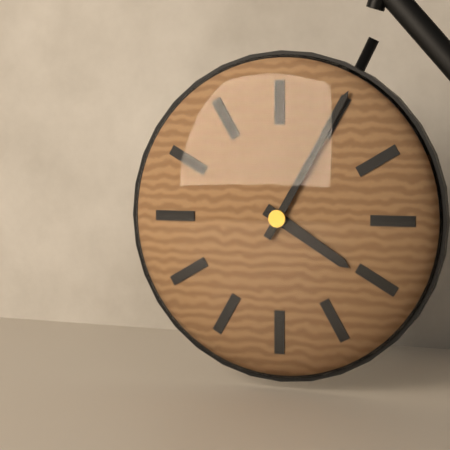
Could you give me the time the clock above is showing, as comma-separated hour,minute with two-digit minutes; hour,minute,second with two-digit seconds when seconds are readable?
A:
4,05
